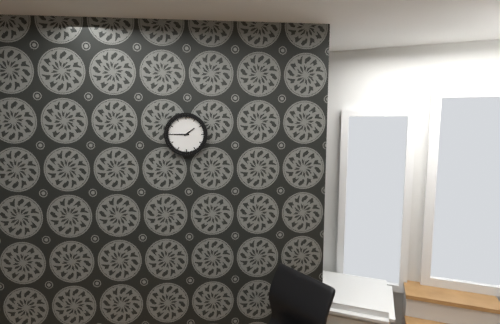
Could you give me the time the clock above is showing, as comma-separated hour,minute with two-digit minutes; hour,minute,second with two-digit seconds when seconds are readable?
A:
1,45
